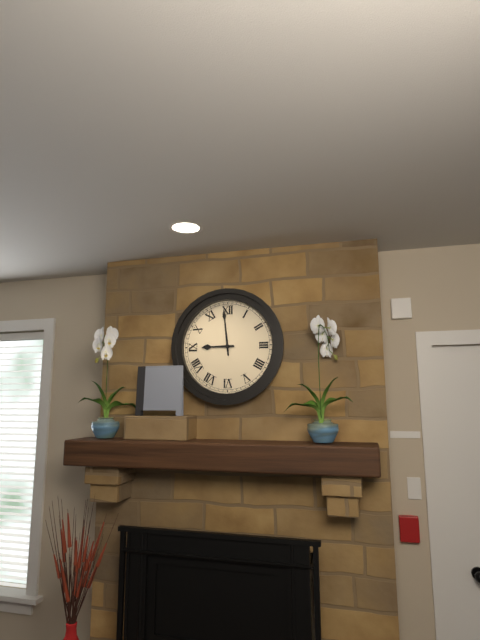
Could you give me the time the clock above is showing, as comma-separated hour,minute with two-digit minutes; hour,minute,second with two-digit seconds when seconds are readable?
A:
8,59
